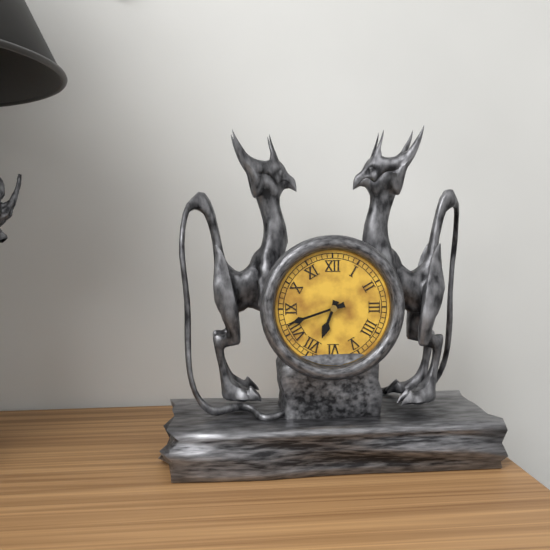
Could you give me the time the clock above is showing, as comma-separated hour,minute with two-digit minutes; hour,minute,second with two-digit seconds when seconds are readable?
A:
6,42
